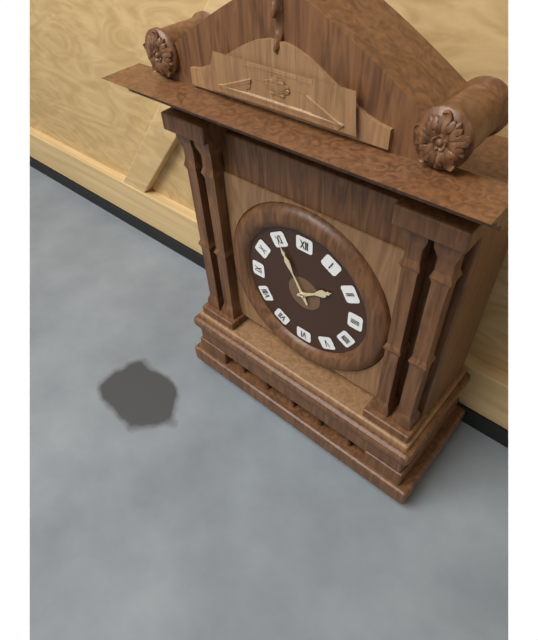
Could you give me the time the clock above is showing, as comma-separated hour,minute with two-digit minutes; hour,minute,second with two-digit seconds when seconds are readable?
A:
1,55
